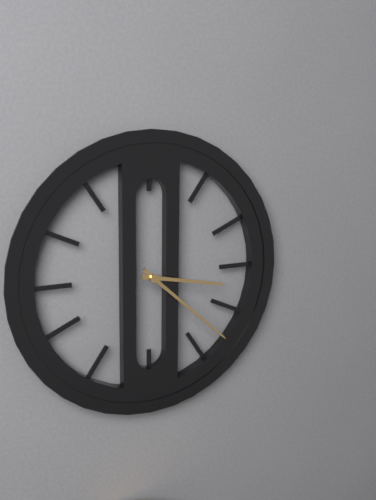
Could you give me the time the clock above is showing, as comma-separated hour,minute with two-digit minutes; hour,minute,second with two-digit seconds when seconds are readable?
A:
3,22
